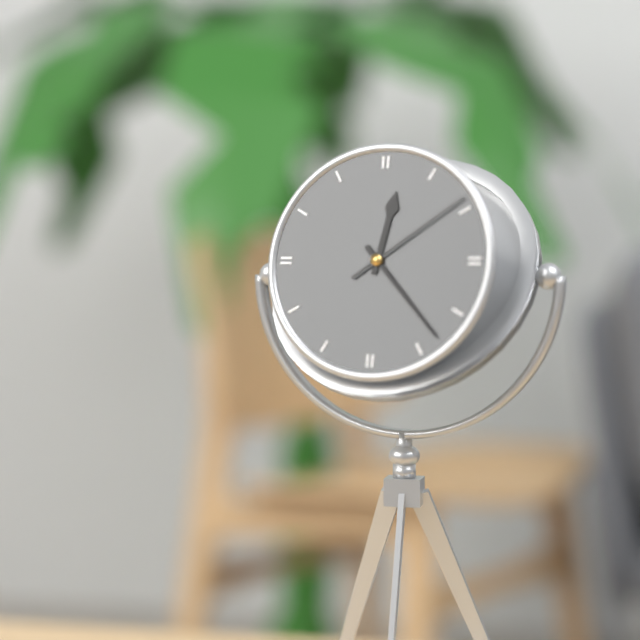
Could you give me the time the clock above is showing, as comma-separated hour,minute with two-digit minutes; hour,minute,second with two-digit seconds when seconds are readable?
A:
12,23,09
